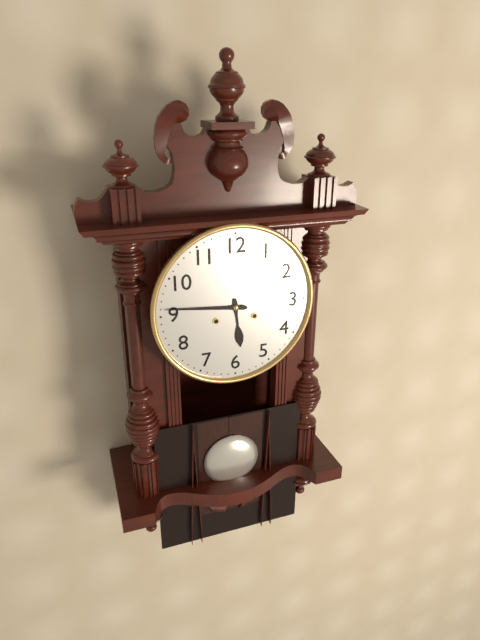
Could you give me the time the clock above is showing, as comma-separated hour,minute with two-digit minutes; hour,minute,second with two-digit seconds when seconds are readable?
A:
5,46
